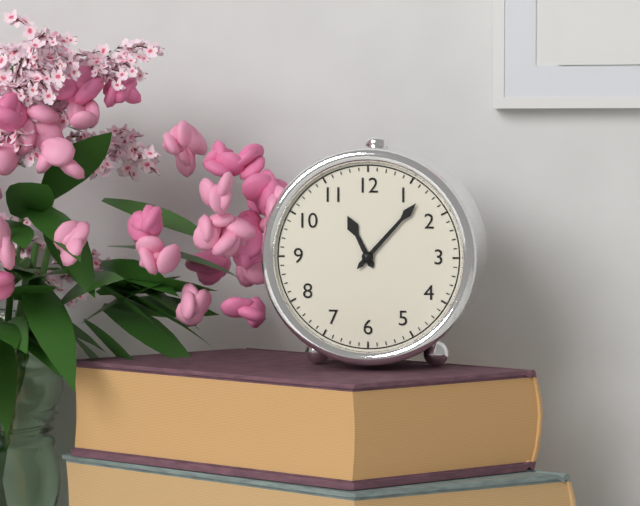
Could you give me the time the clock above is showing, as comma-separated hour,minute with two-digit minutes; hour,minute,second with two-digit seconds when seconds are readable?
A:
11,07
